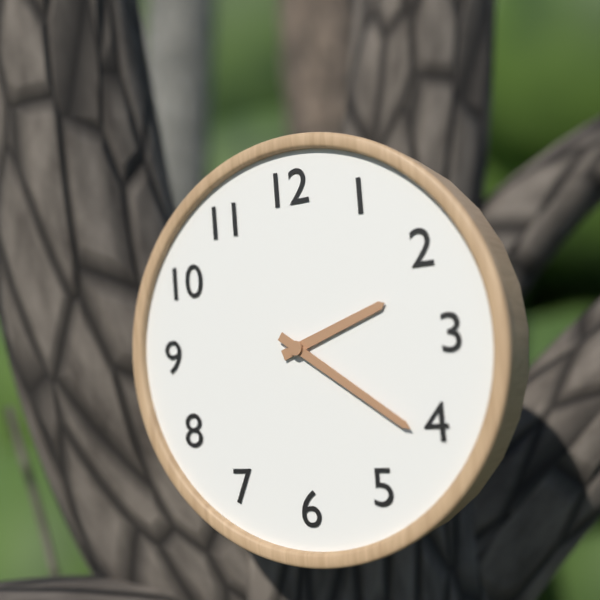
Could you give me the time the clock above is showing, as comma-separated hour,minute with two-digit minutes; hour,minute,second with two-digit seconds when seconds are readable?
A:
2,21
